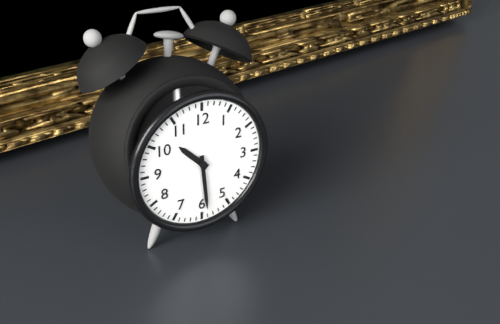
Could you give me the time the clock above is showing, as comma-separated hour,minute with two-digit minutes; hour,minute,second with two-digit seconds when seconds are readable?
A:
10,29
